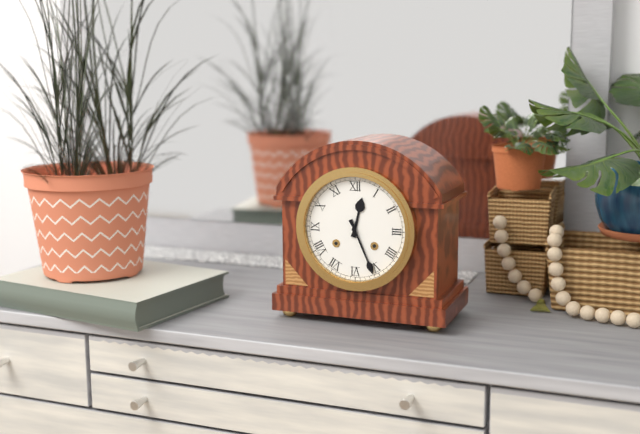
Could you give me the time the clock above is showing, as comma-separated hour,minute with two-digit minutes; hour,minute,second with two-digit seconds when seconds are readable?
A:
12,26
